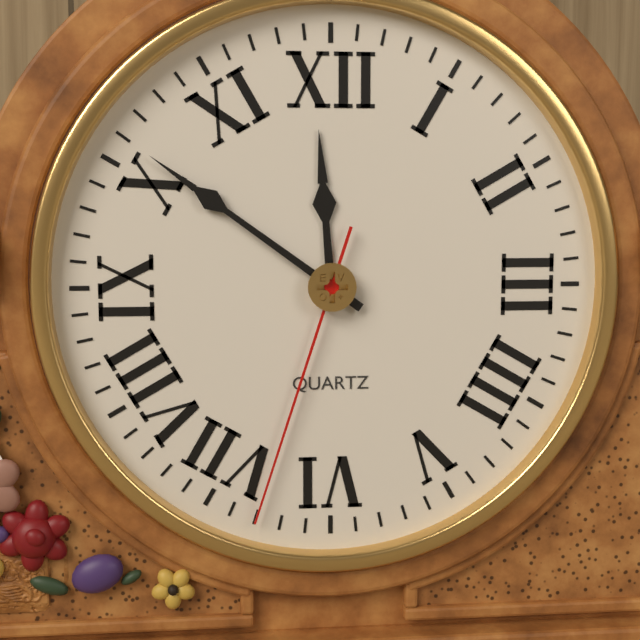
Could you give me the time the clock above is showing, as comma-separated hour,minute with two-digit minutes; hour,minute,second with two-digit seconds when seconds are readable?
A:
11,51,33
